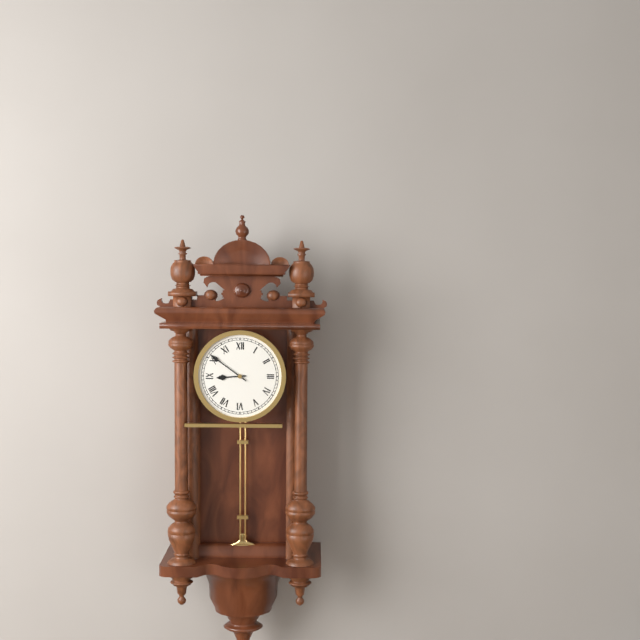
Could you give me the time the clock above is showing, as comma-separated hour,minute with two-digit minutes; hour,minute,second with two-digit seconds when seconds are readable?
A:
8,51
